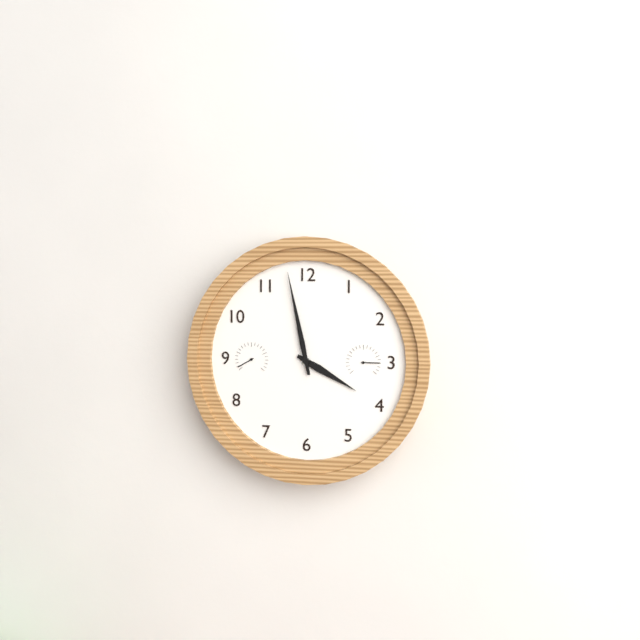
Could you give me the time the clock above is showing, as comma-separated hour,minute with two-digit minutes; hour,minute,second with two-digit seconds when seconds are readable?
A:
3,58
